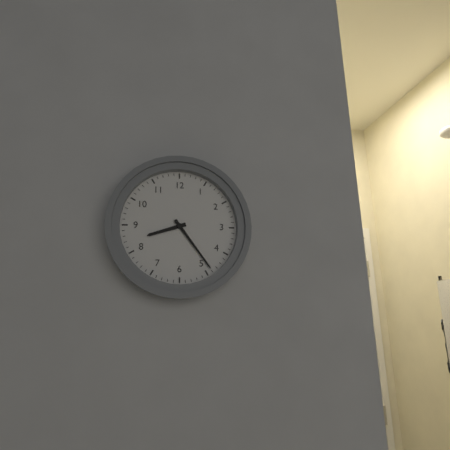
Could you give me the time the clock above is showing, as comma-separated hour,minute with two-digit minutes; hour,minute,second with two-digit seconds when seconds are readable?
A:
8,24
